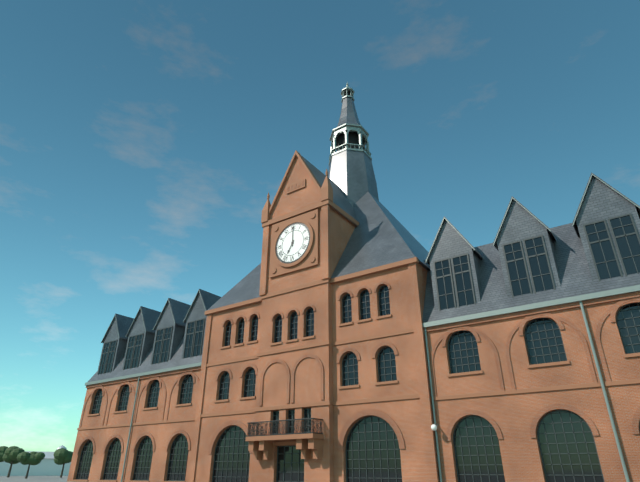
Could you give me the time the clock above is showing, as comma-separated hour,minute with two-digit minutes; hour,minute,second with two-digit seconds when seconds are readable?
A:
7,00
